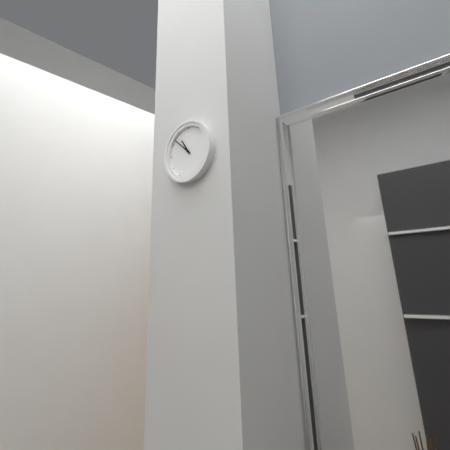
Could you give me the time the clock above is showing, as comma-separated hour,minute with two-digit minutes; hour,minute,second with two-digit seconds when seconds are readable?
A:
10,52
